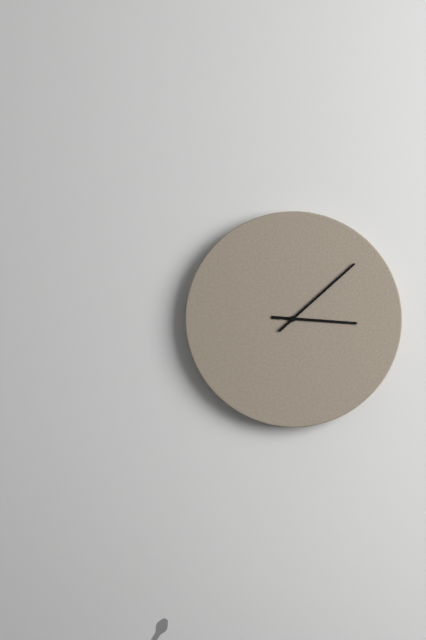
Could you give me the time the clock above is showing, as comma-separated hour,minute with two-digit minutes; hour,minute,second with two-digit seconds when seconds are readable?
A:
3,08
